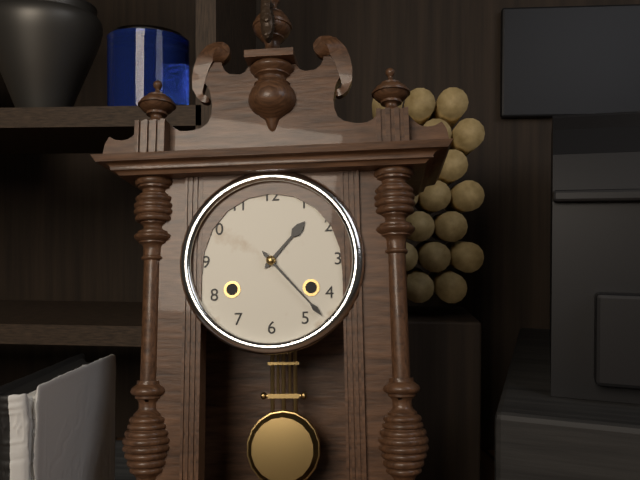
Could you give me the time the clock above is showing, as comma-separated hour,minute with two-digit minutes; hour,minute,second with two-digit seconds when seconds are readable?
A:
1,23
